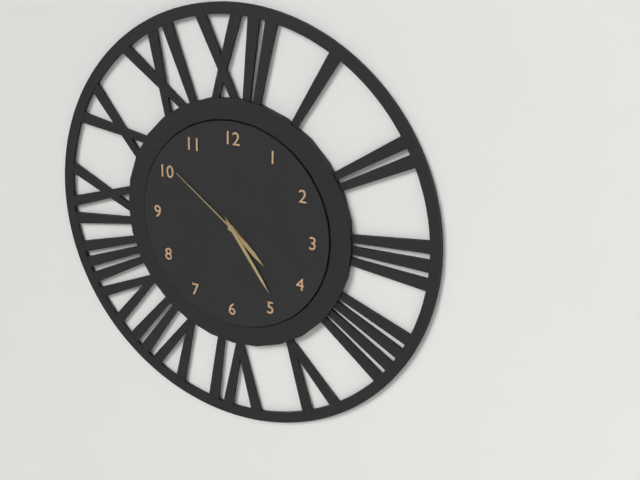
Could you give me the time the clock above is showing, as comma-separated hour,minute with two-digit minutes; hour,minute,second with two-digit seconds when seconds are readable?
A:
4,24,51
